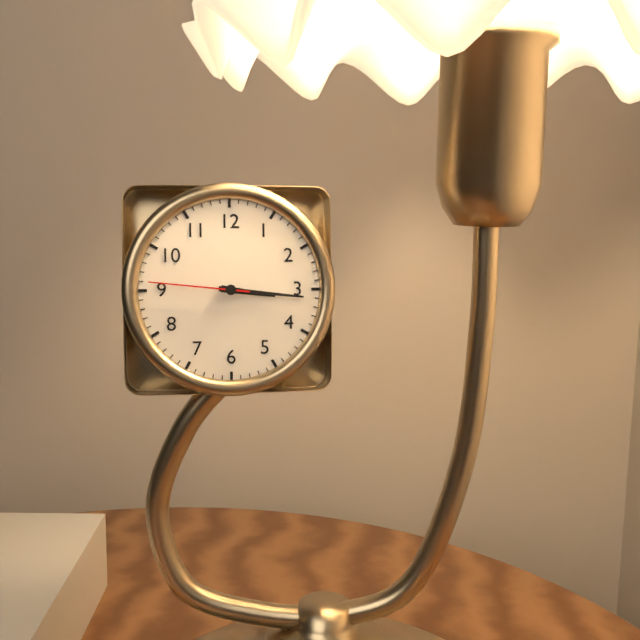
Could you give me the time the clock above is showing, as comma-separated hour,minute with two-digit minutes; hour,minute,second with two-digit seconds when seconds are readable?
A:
3,16,46
